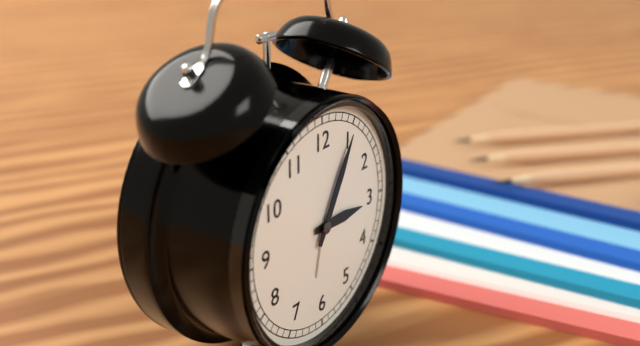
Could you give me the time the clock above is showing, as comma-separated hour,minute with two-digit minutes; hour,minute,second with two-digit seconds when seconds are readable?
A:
3,05
